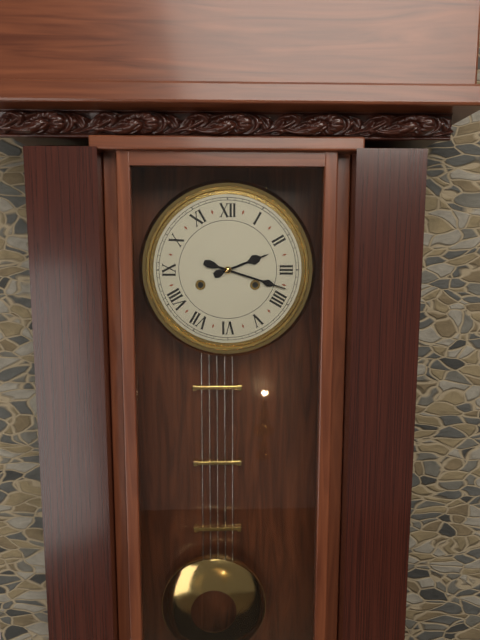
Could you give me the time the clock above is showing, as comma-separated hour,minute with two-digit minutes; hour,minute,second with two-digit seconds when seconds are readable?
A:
2,18
